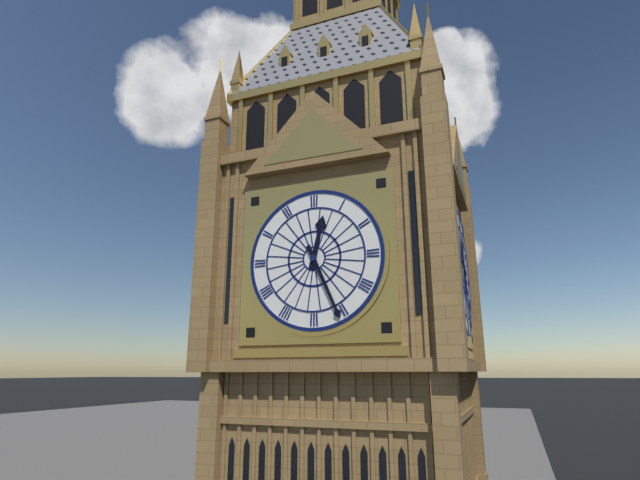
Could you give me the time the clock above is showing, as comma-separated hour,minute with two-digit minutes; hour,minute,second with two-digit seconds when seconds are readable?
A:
12,26
